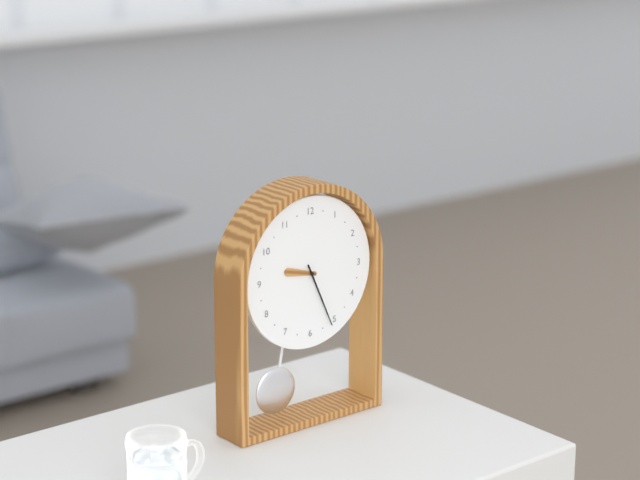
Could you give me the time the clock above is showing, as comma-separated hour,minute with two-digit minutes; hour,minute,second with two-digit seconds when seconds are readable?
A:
9,26
